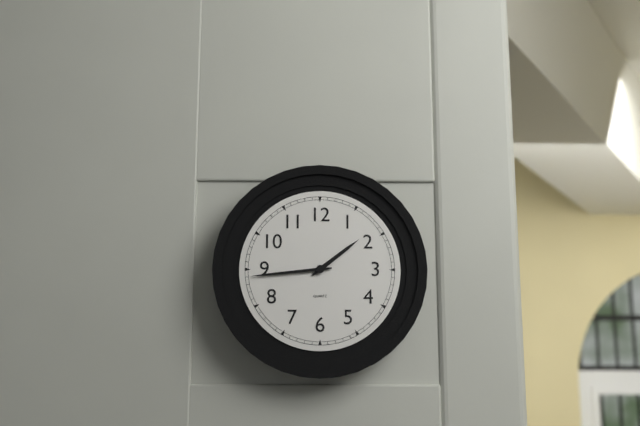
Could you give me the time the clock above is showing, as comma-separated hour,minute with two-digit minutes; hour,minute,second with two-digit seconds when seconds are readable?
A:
1,44
